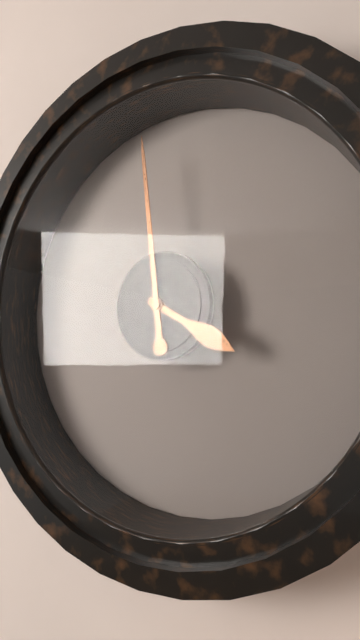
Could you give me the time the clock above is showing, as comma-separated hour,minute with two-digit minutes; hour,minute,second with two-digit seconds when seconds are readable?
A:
3,59
